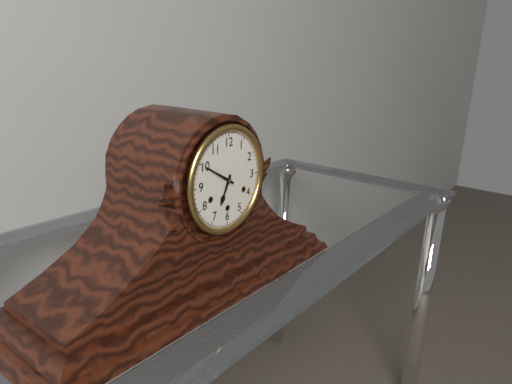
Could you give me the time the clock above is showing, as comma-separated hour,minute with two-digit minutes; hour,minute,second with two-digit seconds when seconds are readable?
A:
6,50
